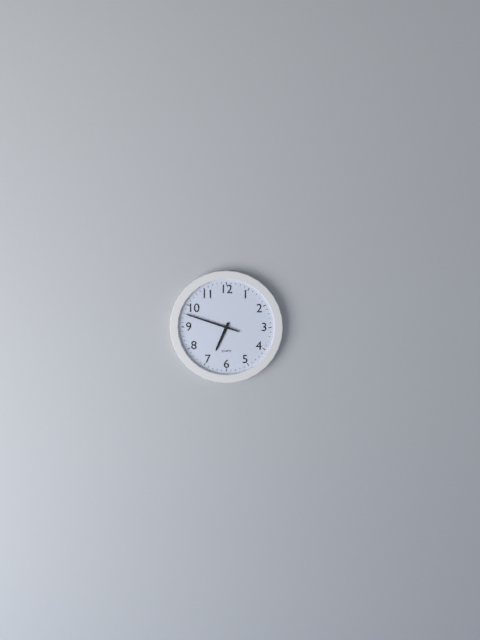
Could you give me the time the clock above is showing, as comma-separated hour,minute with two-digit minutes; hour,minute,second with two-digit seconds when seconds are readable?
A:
6,48
